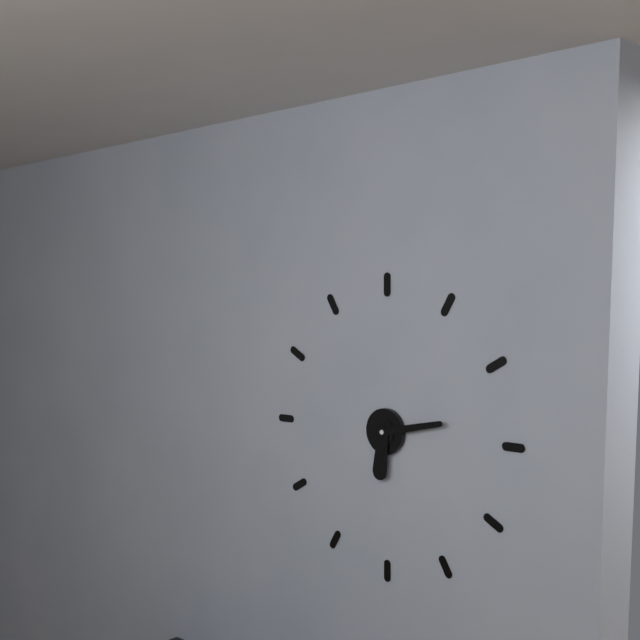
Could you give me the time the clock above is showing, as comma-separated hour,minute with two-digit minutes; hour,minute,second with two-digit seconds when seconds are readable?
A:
6,13
